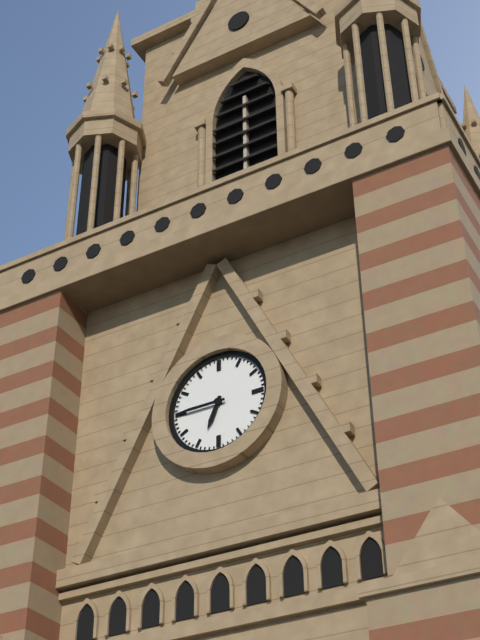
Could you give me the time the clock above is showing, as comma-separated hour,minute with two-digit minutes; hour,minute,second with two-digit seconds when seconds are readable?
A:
6,45
